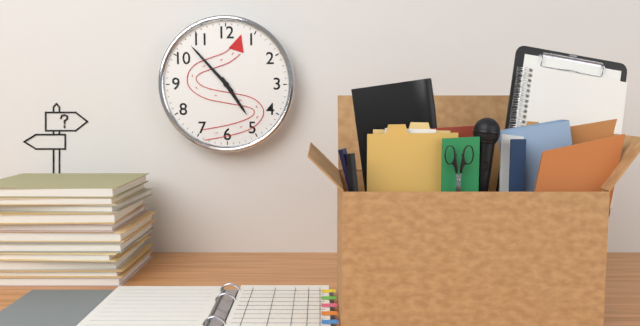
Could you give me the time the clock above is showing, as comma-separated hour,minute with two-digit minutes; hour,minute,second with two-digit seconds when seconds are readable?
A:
4,53
